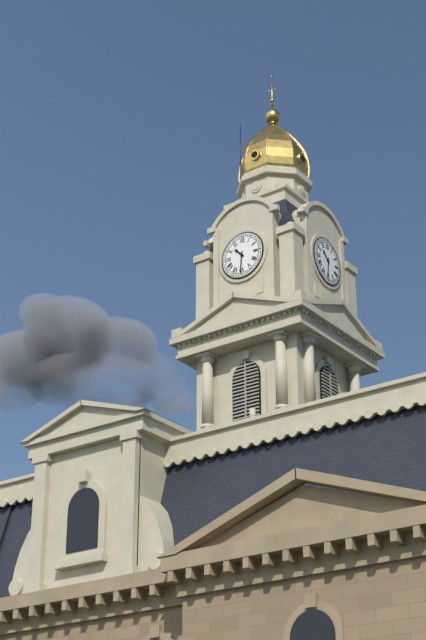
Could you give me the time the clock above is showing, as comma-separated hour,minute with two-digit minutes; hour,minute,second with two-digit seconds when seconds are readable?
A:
10,31
